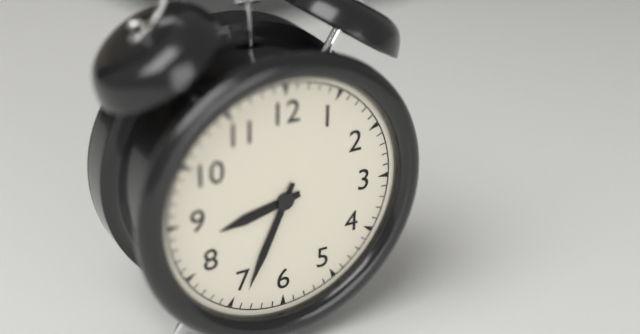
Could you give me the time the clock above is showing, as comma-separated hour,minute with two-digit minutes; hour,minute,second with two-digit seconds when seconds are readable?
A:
8,34
